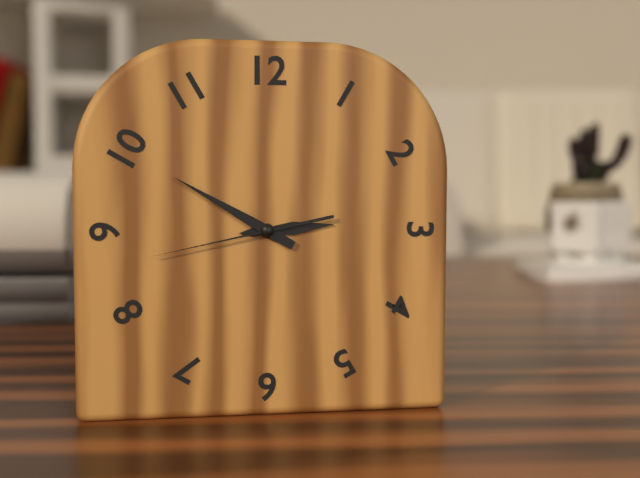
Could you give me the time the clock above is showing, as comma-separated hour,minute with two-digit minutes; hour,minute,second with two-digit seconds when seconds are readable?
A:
2,50,43
